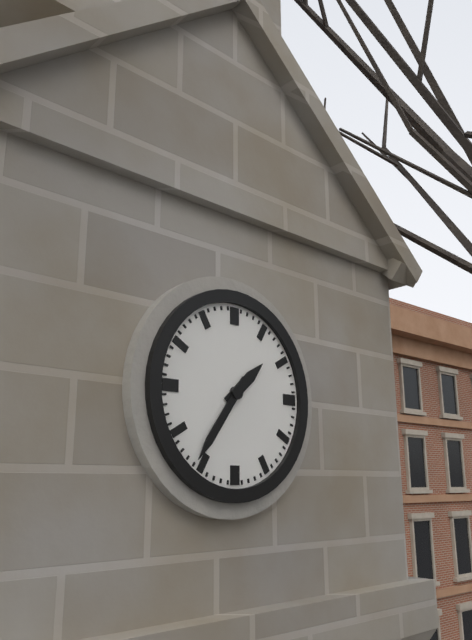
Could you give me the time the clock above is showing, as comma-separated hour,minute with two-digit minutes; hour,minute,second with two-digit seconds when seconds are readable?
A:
1,36
